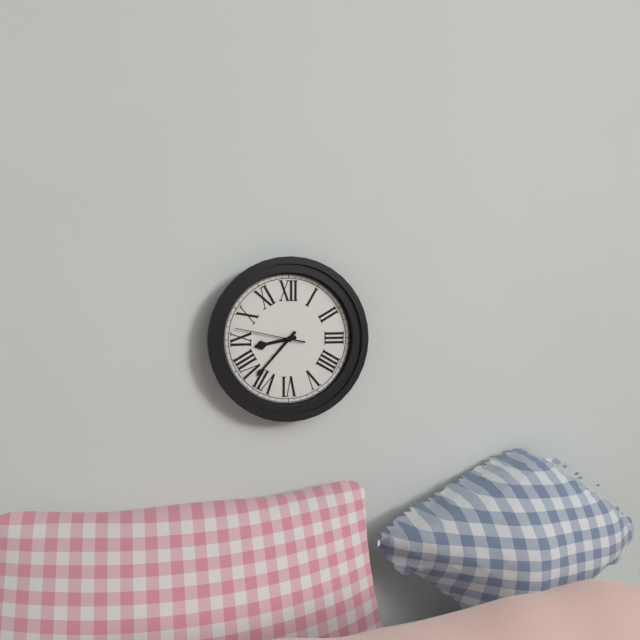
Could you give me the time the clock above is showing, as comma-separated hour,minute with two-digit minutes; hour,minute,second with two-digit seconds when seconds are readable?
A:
8,37,47
